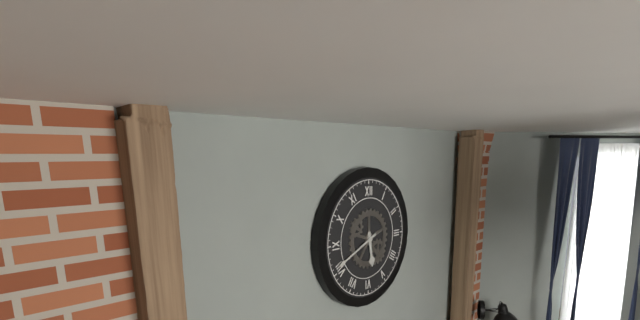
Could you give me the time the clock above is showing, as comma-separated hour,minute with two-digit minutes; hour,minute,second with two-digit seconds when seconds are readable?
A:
5,41
